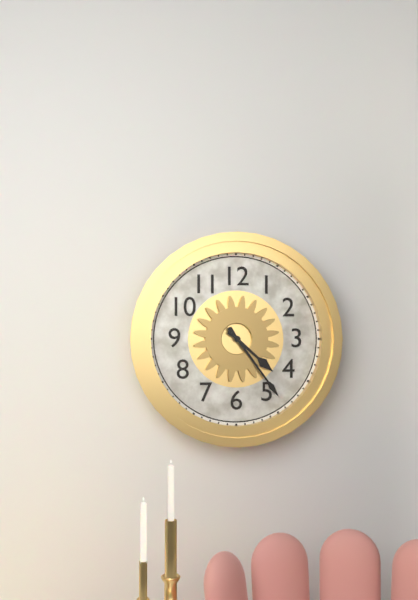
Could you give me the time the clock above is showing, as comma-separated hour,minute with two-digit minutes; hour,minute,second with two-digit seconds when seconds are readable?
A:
4,24
